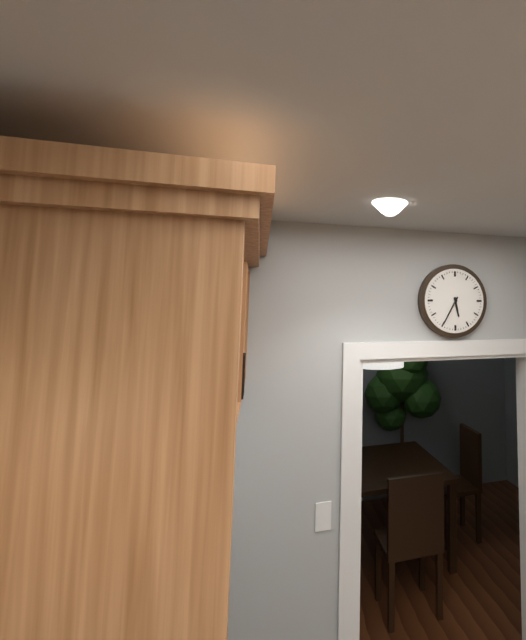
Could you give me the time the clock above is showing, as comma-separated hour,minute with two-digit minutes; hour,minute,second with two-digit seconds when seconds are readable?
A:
5,35
